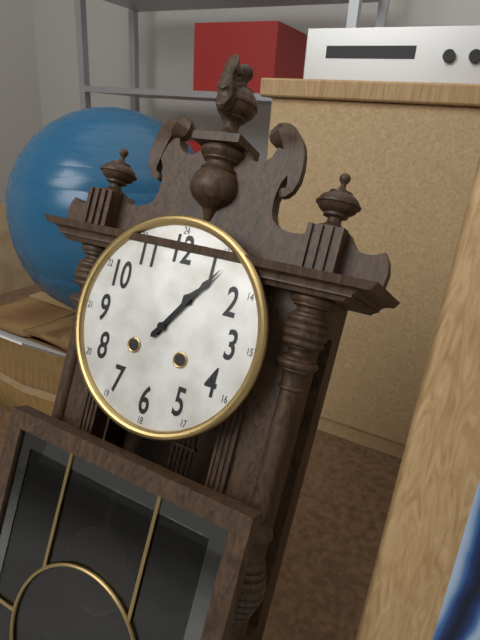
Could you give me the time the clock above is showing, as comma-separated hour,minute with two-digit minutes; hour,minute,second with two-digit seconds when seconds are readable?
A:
1,06
